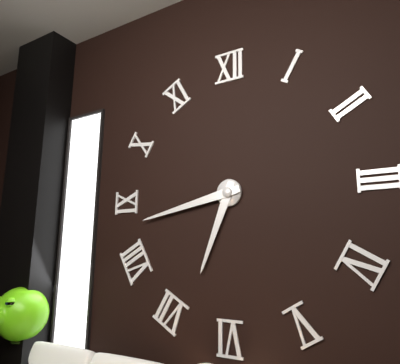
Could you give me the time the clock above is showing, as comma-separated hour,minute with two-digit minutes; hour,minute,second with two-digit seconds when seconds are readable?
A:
6,43
